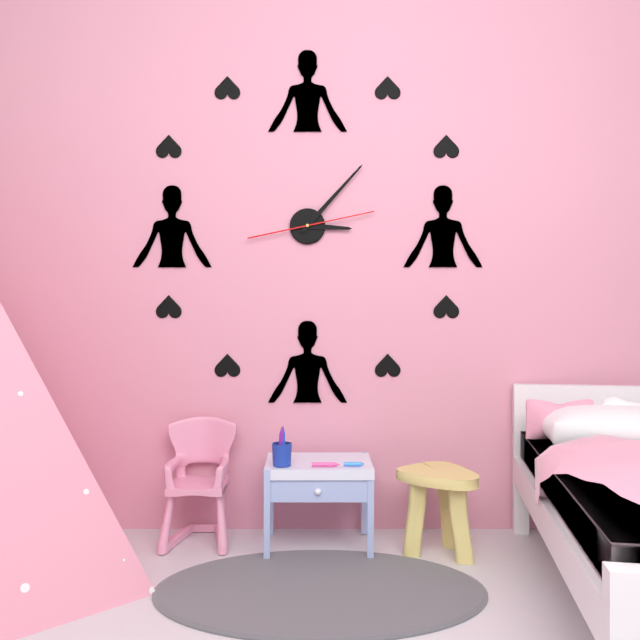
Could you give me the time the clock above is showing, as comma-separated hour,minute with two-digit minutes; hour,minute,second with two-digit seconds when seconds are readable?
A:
3,07,13
